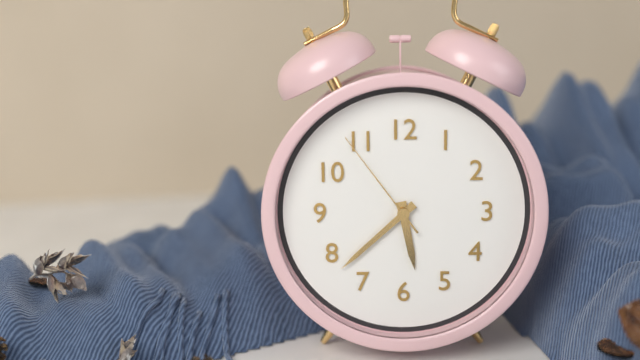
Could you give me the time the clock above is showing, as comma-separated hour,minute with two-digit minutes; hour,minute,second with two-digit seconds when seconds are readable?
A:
5,38,54
